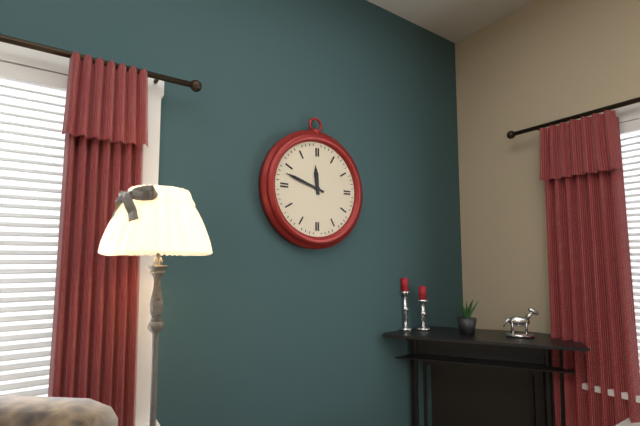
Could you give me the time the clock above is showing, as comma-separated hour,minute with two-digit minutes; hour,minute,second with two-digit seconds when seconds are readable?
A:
11,48
